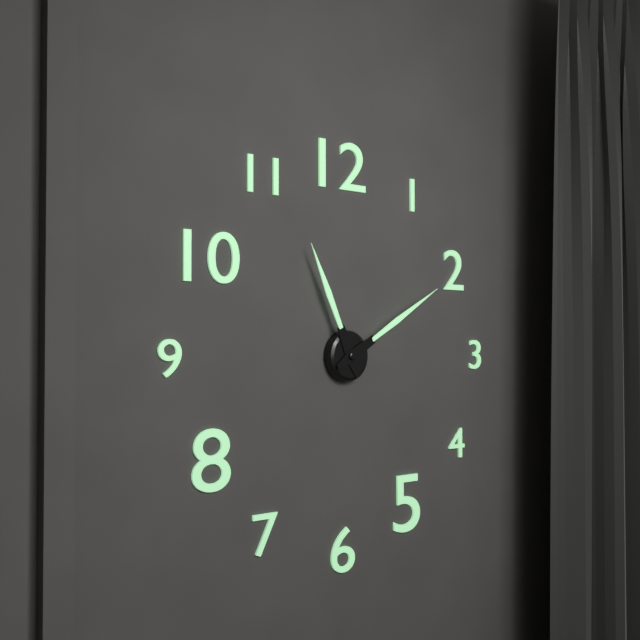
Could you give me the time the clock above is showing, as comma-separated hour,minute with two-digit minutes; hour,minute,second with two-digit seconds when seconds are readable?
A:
11,10
